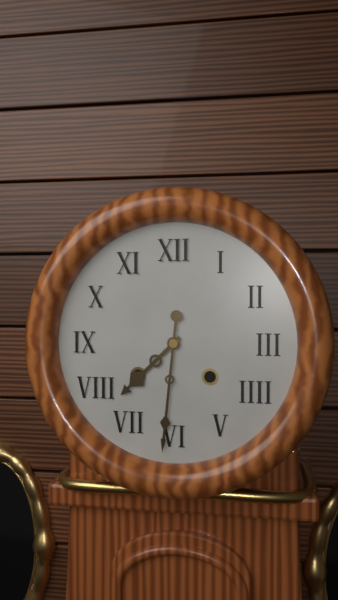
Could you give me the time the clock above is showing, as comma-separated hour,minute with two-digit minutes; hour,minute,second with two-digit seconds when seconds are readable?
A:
7,31
